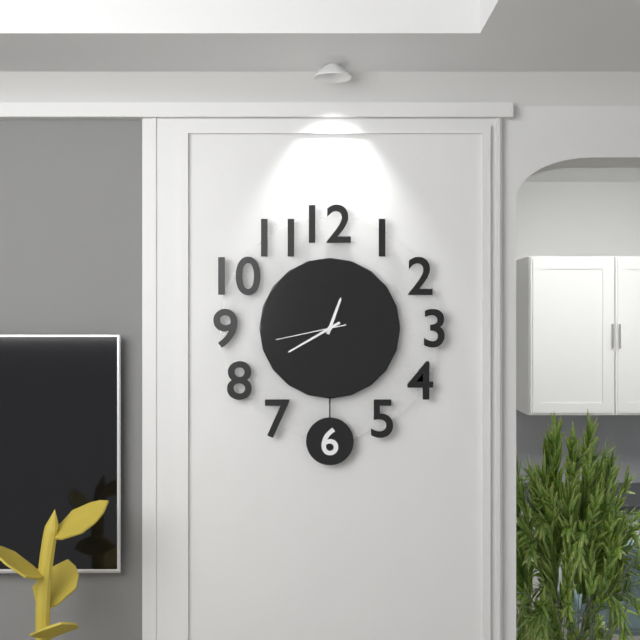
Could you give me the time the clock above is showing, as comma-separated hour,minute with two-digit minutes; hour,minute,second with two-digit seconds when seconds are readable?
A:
12,40,43
